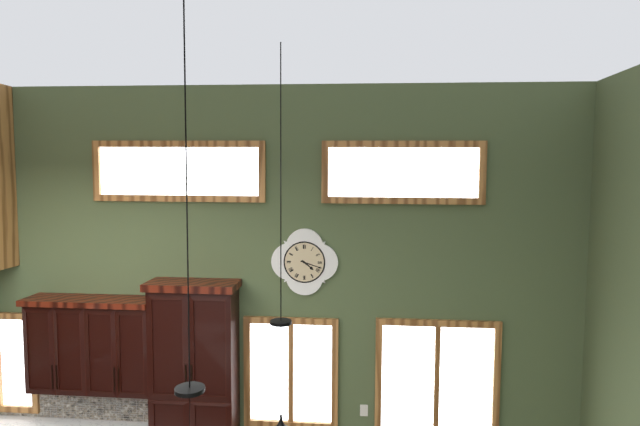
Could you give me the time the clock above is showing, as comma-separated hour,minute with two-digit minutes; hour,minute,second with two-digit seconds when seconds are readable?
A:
4,18
